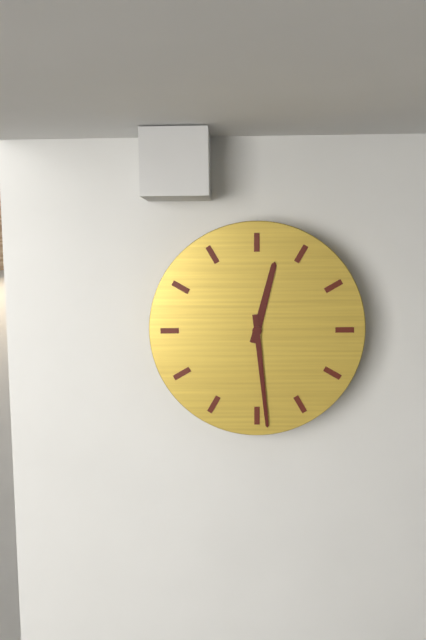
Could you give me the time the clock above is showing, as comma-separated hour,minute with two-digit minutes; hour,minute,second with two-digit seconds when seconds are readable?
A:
12,29
